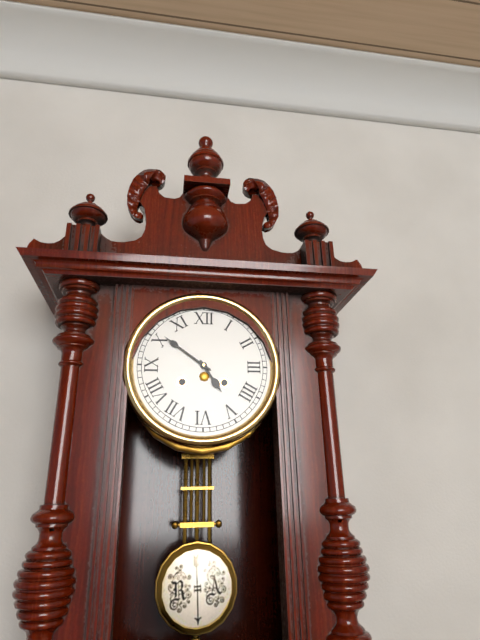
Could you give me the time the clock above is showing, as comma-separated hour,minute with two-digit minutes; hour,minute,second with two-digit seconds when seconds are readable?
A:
4,51
